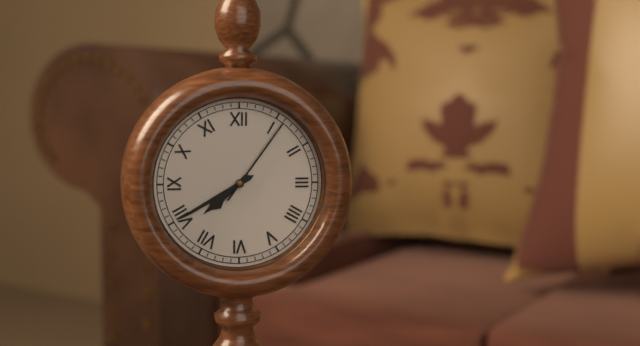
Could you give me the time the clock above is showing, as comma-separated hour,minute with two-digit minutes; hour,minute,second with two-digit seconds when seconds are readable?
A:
7,40,06
